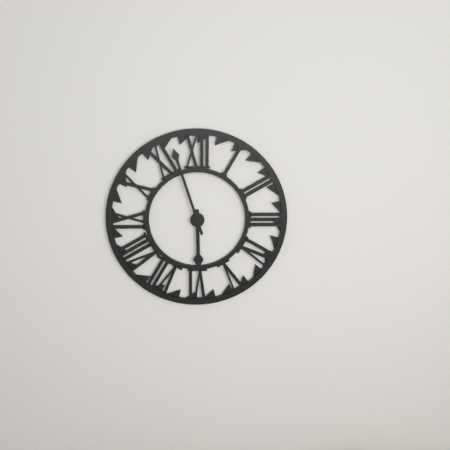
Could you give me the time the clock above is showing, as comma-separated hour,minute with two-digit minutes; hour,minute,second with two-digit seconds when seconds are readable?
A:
5,57
